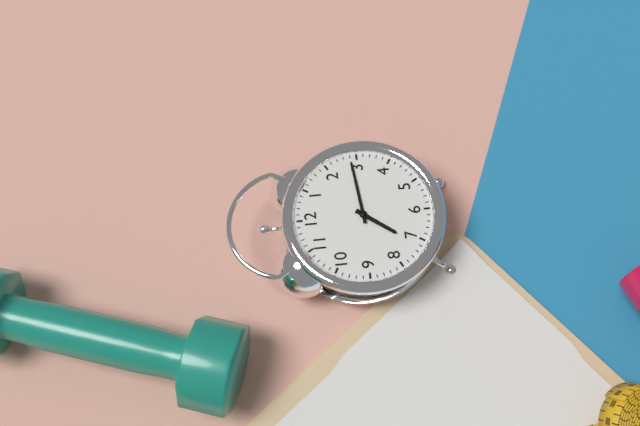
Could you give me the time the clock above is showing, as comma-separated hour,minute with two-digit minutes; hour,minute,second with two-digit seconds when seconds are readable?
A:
7,14
